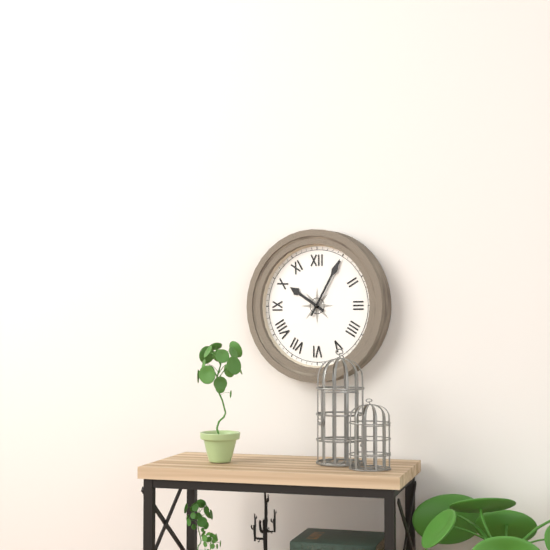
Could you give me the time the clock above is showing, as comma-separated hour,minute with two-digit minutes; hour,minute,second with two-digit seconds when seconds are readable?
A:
10,05
